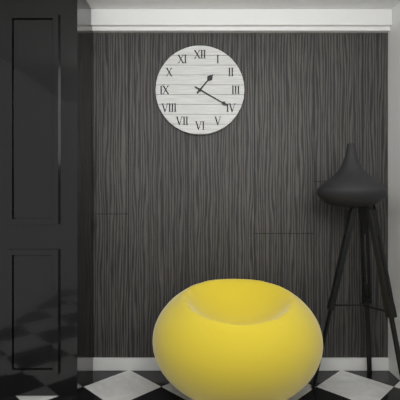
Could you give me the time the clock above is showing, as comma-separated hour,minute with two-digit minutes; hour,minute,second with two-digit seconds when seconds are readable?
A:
1,20
